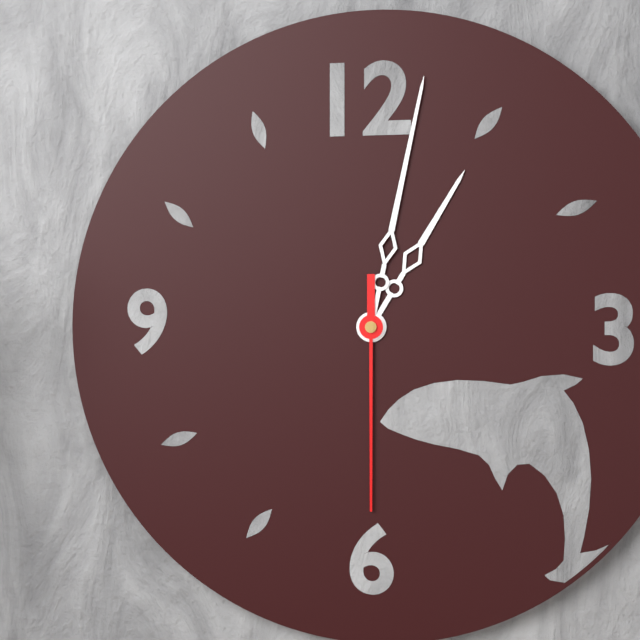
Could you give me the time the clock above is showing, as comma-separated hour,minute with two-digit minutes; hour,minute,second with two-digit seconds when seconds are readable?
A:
1,02,30
